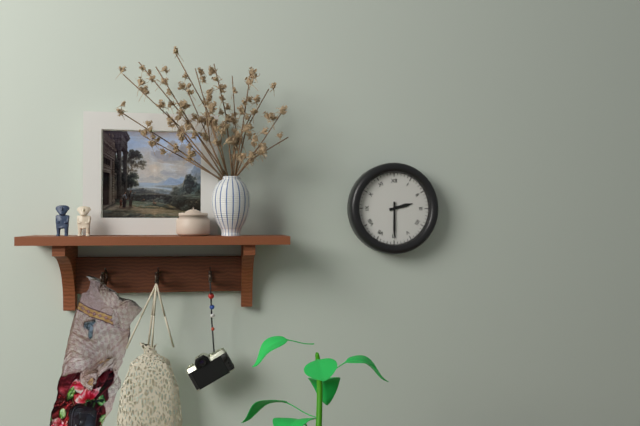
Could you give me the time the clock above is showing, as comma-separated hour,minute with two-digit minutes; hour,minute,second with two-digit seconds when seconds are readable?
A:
2,30
